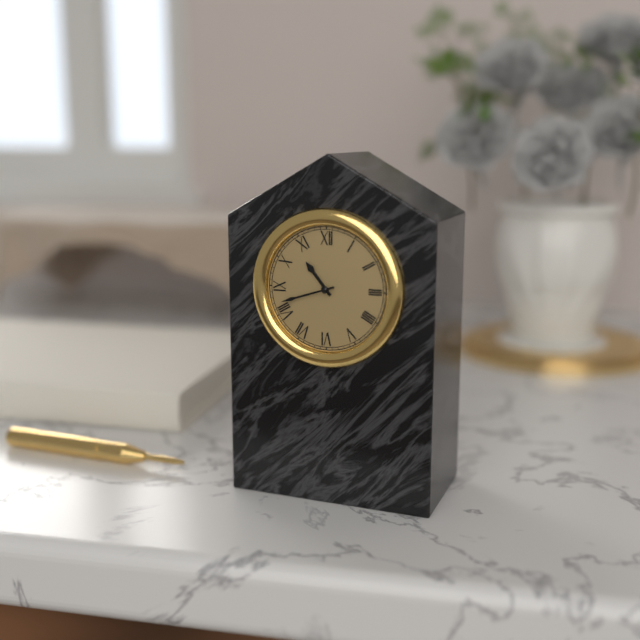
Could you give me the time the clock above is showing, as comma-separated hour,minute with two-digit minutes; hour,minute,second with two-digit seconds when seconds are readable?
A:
10,42
